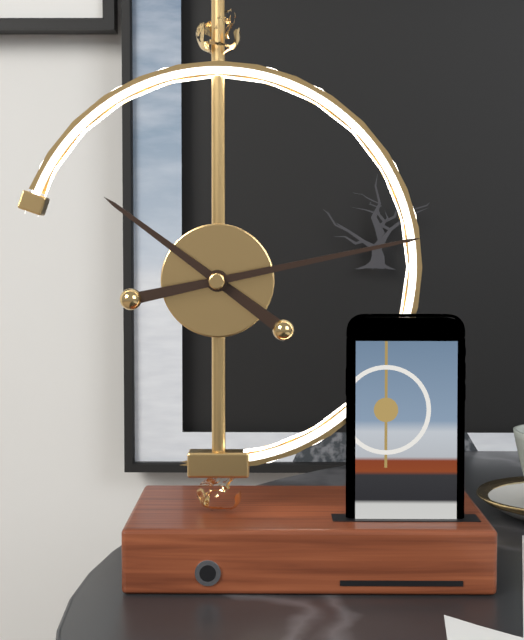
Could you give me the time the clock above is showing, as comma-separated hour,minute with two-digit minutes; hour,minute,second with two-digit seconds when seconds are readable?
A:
10,13
